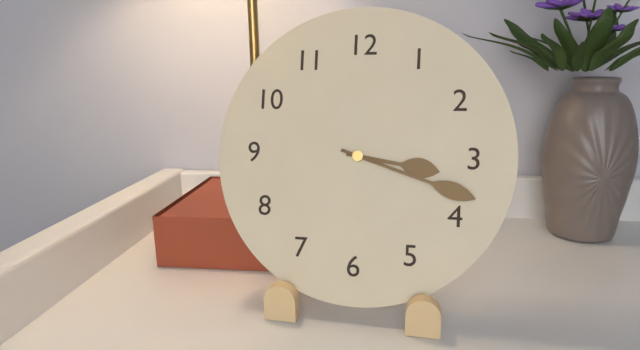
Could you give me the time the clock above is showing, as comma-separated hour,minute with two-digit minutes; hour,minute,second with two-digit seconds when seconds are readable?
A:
3,18
